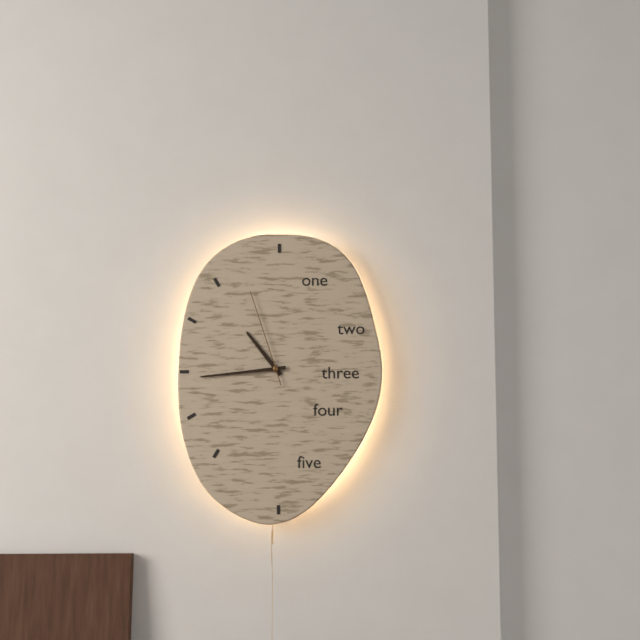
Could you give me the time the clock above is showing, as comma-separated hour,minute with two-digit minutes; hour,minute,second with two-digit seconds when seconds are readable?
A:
10,44,57
